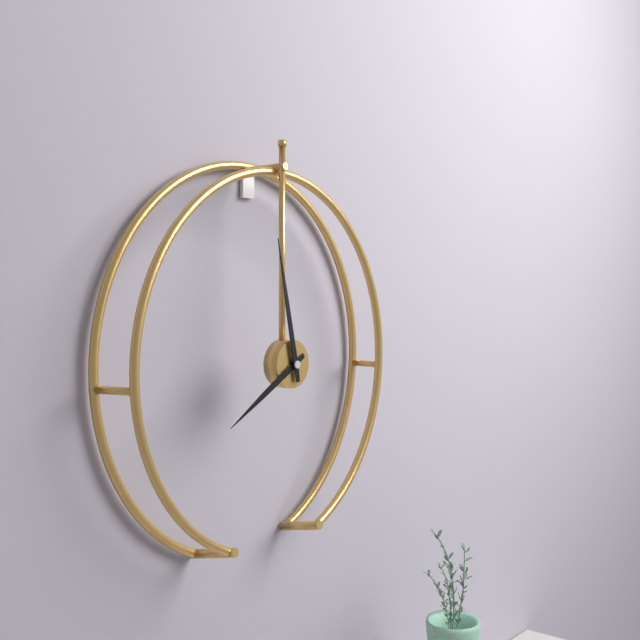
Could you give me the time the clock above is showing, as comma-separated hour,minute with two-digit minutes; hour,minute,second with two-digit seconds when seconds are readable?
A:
7,58
